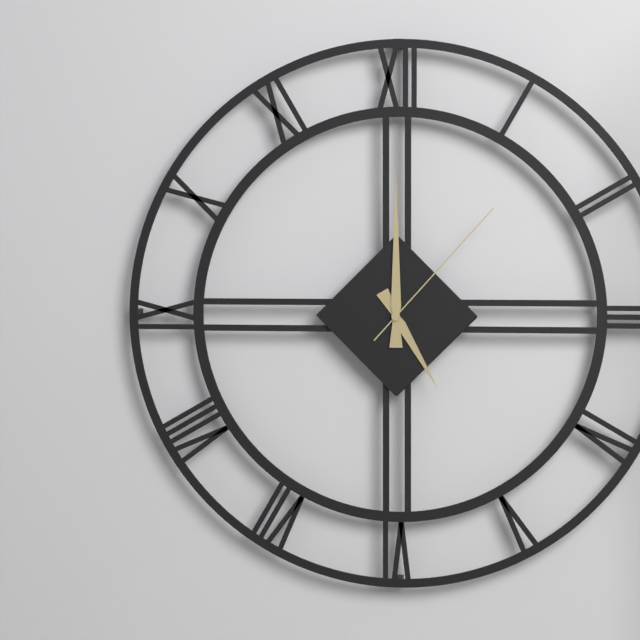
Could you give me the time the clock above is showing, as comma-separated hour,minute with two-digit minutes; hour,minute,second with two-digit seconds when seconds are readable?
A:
5,00,07
